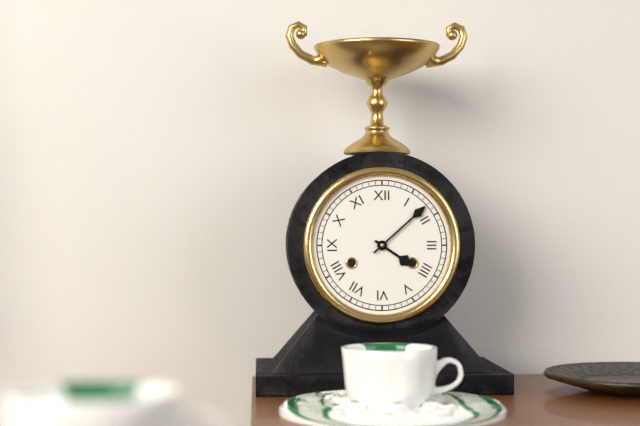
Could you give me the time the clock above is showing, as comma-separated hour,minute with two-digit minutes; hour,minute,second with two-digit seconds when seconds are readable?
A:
4,08
